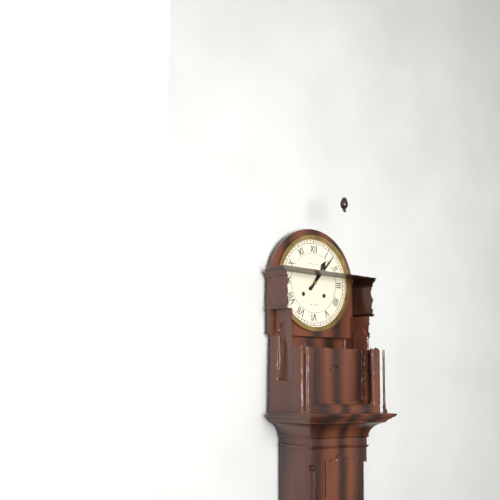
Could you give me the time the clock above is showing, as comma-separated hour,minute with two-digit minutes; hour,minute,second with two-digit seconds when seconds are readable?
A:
1,07
